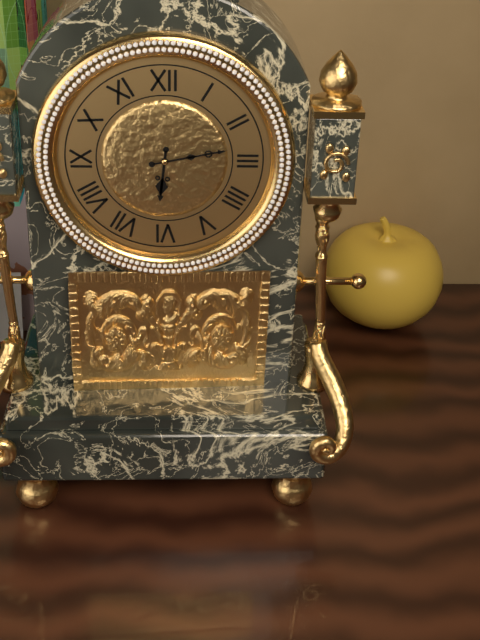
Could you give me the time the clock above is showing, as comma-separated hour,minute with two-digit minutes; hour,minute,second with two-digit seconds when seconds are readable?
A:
6,13
